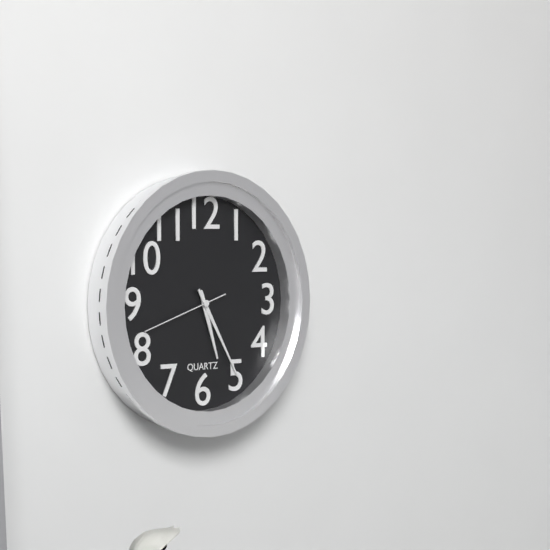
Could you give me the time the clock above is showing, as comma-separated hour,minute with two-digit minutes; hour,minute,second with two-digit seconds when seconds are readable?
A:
5,25,42
